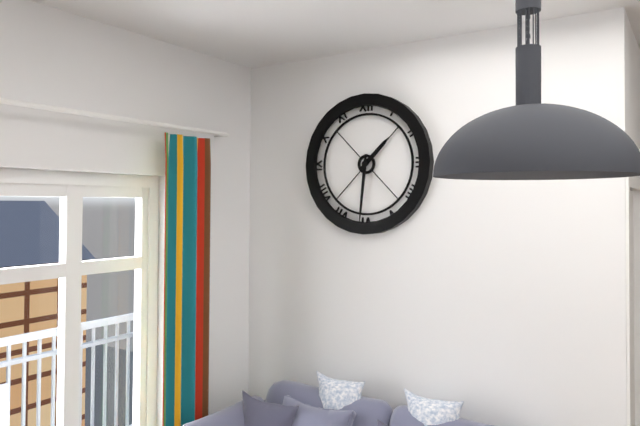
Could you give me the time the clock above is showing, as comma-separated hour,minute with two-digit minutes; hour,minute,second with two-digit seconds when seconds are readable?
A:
1,31
